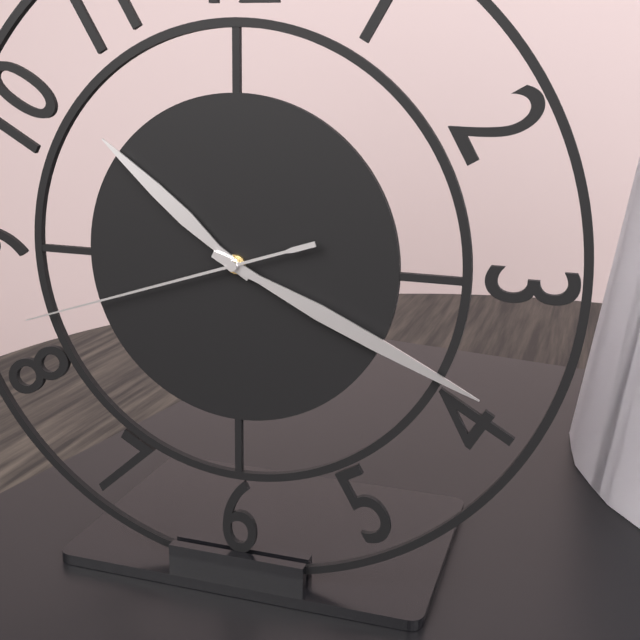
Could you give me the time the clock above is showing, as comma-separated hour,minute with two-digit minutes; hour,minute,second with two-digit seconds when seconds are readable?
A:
10,19,42
